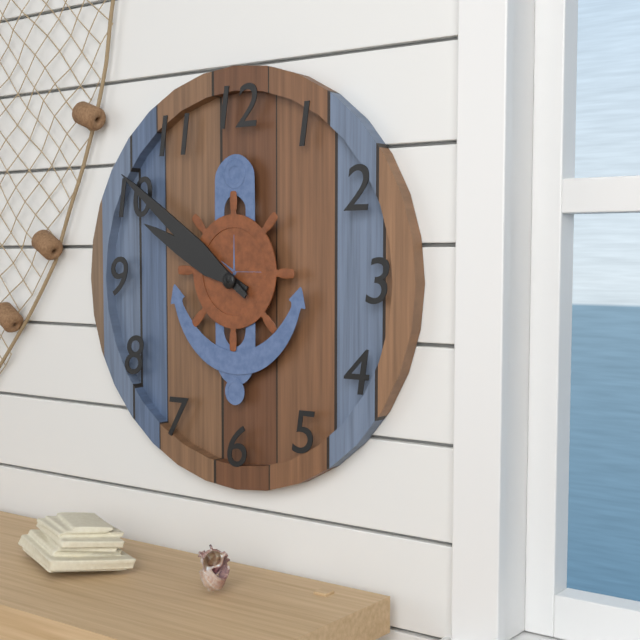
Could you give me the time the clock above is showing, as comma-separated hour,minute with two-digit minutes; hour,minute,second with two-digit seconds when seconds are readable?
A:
9,51
